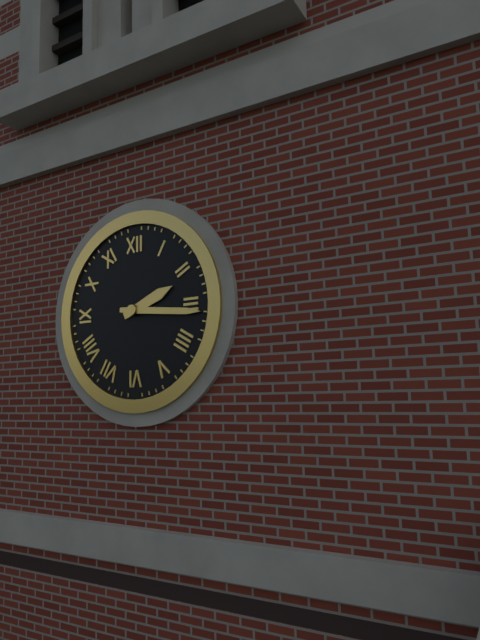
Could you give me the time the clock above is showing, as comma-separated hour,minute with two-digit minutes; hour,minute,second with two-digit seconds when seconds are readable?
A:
2,16
